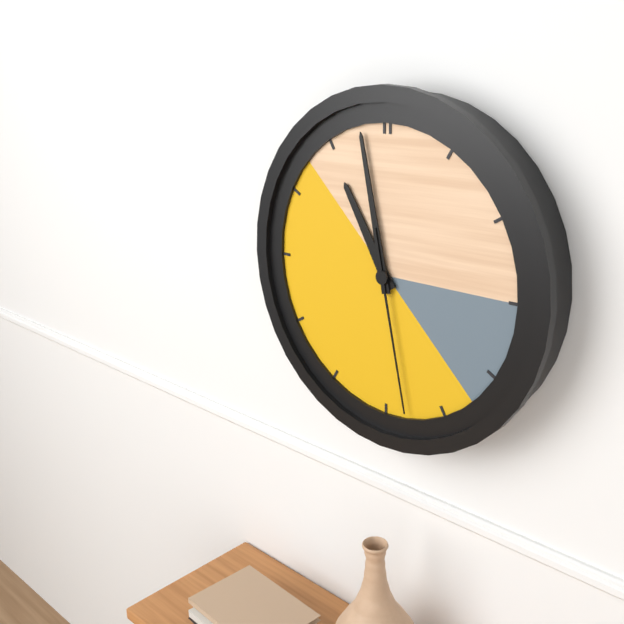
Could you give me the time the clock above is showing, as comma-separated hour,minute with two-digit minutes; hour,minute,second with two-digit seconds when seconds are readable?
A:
10,58,28
